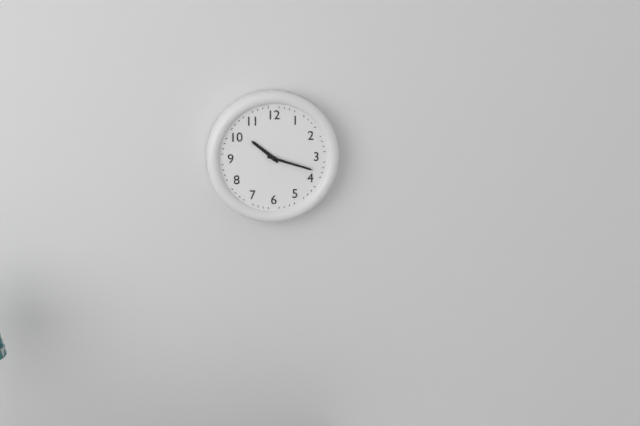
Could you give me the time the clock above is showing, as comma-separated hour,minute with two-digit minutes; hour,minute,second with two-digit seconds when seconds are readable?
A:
10,18
